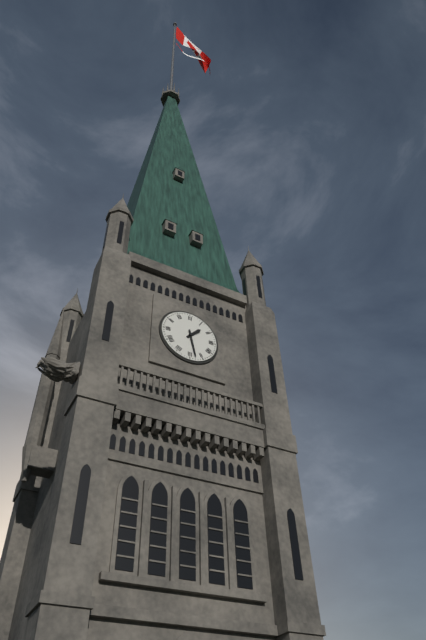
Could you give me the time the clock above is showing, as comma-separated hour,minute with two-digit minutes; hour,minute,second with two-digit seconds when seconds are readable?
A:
1,28
